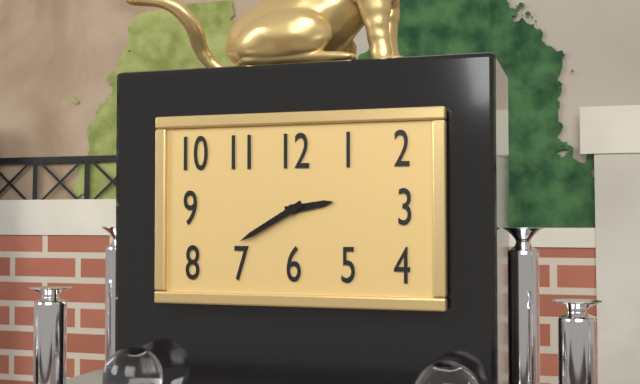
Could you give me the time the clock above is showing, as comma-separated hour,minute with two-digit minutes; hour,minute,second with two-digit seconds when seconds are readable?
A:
2,40
